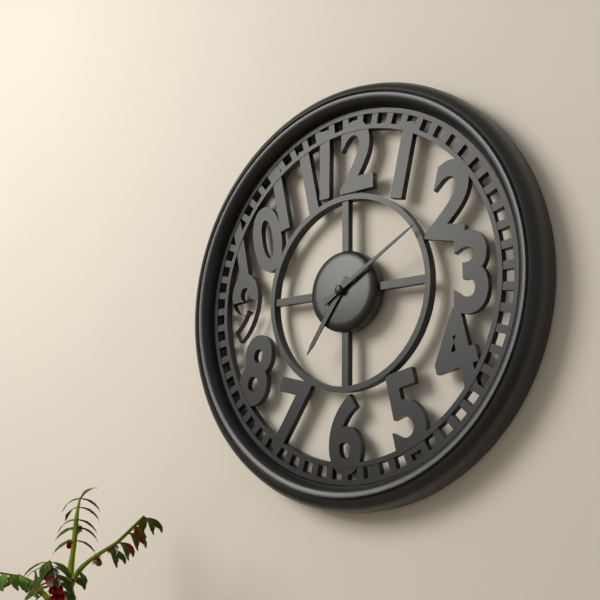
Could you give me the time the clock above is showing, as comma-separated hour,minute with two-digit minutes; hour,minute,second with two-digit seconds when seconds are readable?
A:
7,10
